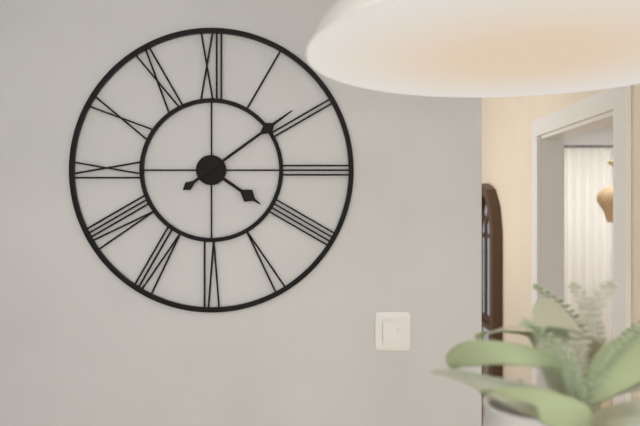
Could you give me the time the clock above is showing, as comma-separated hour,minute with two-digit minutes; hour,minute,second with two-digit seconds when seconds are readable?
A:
4,09
